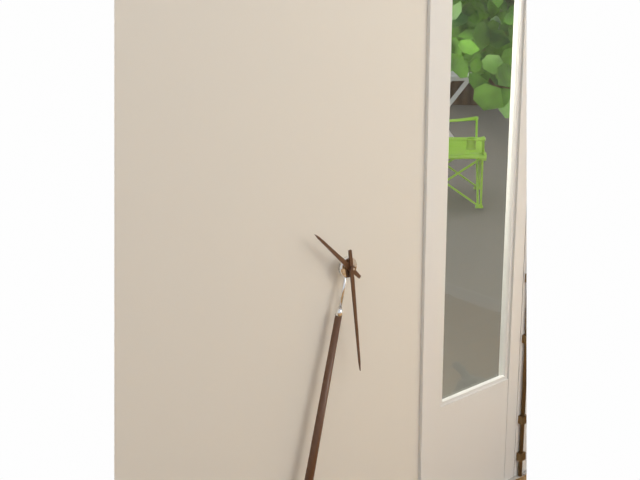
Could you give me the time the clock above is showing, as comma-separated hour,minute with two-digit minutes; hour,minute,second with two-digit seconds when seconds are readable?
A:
10,29
